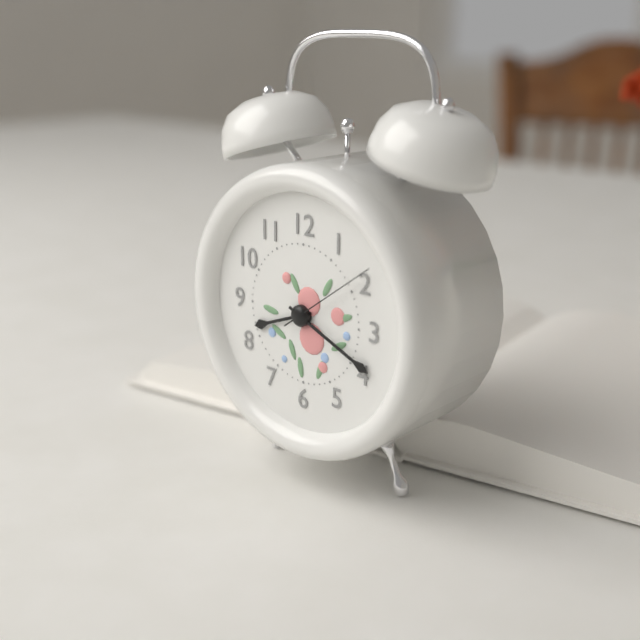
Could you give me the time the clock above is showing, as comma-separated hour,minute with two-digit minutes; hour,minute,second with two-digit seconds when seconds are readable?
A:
8,19,09
